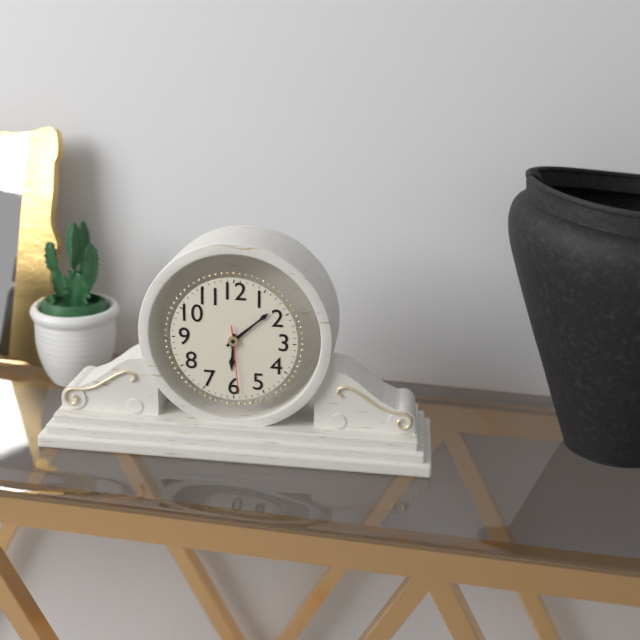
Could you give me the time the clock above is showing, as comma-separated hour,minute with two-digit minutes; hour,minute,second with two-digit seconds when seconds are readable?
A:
6,08,29
